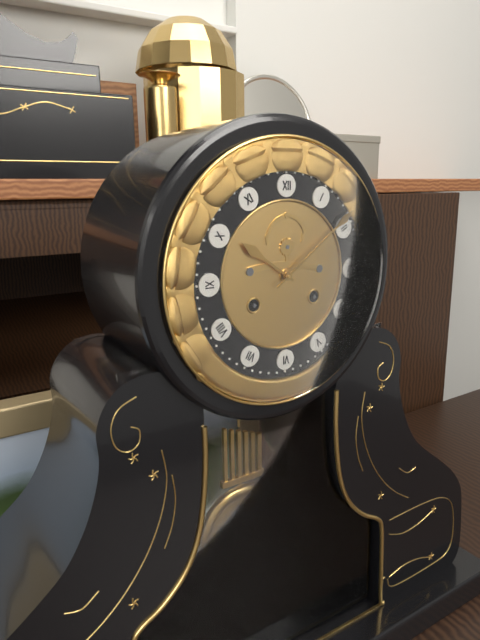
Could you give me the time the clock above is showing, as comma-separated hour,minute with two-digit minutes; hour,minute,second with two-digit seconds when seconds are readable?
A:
10,09
